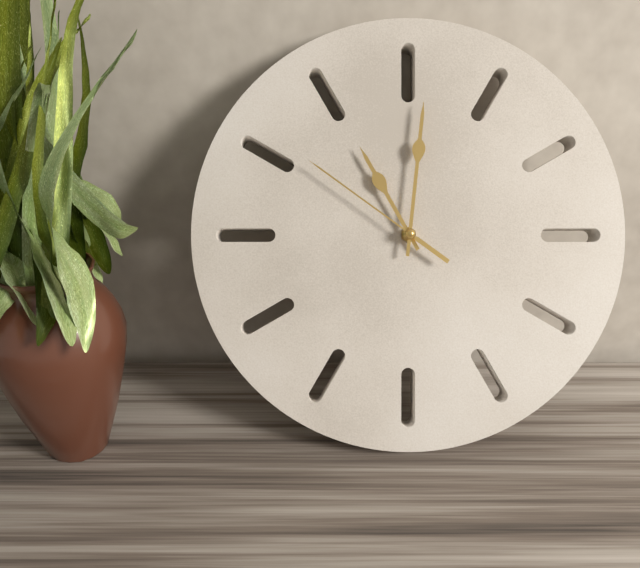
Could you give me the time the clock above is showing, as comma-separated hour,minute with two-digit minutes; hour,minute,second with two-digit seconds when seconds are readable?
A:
11,01,51
